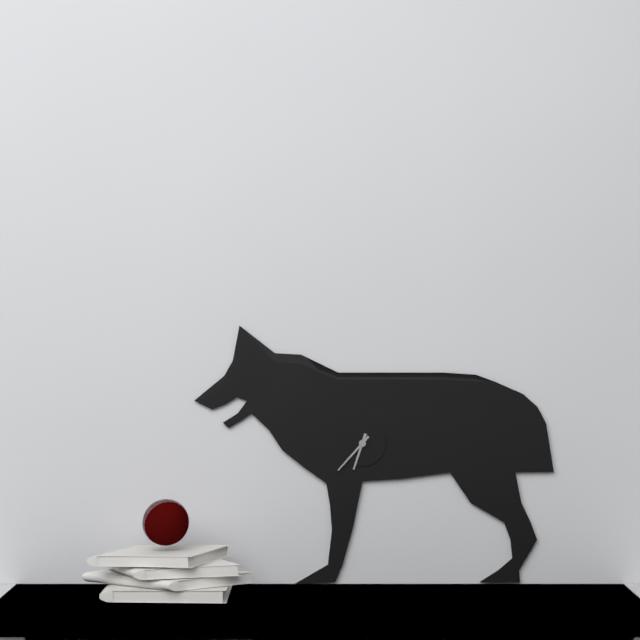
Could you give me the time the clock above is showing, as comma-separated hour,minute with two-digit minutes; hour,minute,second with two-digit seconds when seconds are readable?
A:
6,37
